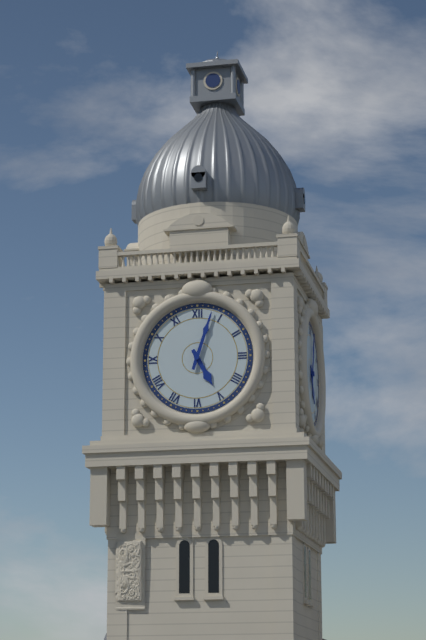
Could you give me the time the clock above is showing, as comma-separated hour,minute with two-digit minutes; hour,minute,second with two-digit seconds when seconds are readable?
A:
5,03
